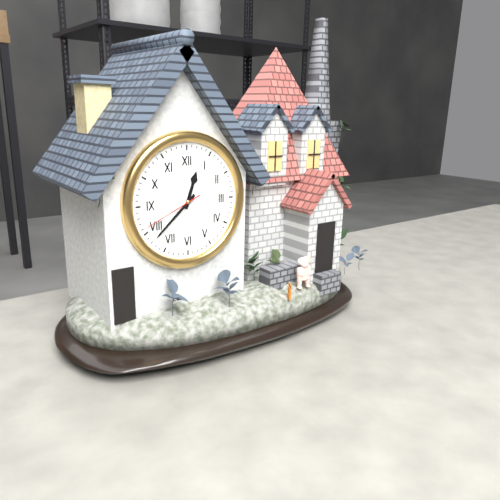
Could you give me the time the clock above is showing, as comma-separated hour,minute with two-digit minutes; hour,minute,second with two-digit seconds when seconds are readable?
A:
12,38,41
